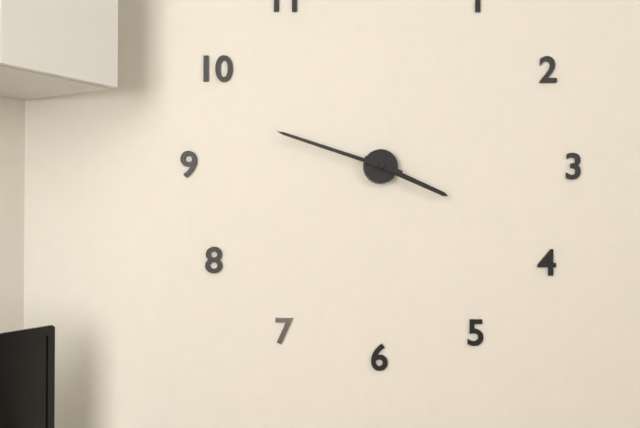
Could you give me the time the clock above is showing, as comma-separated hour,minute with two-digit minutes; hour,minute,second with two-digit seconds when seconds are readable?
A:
3,48
